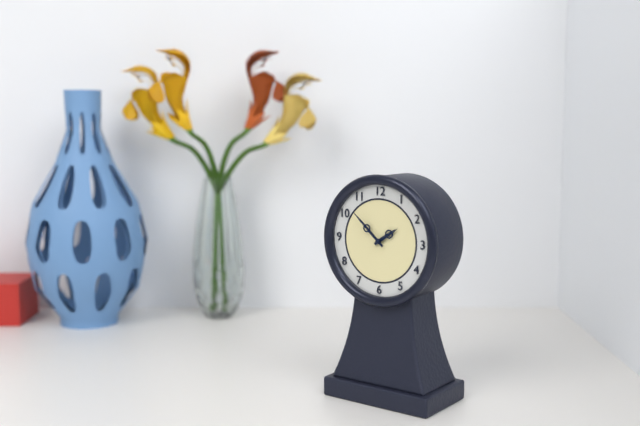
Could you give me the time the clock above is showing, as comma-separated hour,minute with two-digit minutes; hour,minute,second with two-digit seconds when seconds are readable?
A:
1,52
